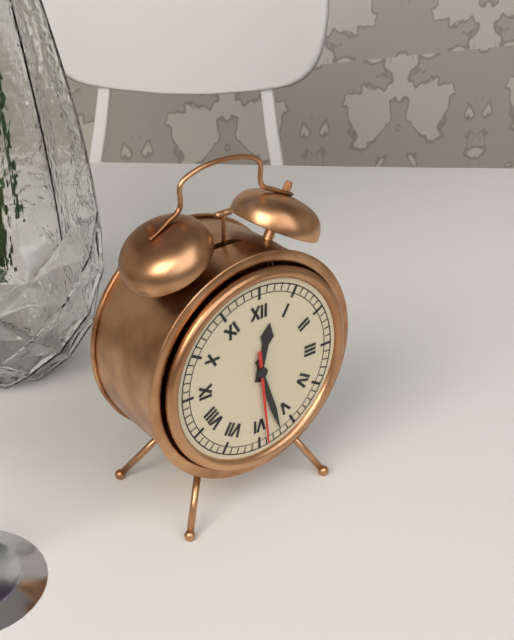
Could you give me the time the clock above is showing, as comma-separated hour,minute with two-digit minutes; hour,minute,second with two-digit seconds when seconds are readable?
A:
12,27,29
